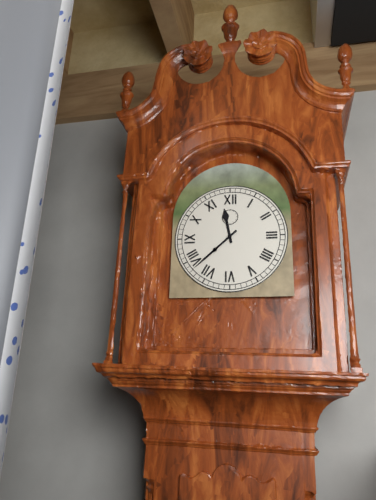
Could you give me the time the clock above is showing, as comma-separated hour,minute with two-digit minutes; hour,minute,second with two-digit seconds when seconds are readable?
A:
11,38
